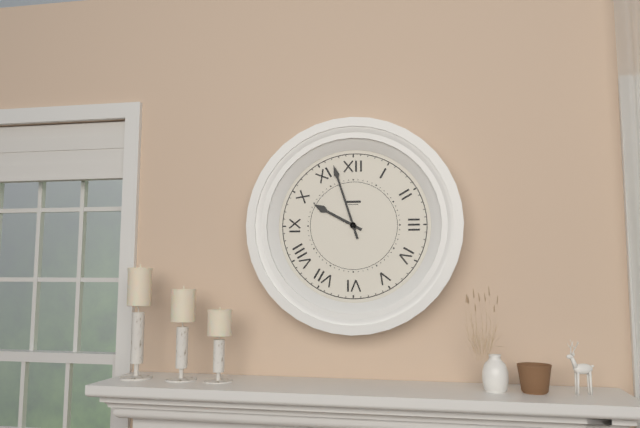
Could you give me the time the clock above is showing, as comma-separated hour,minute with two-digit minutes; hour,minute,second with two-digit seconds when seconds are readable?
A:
9,57
